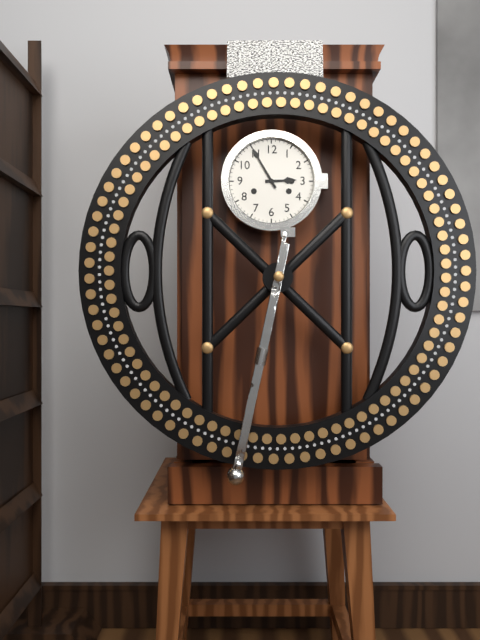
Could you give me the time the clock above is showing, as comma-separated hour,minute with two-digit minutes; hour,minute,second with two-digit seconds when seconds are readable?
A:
2,55
